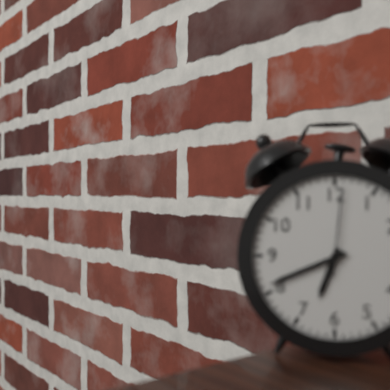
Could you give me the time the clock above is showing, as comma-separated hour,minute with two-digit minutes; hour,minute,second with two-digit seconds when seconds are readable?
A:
6,41,01
